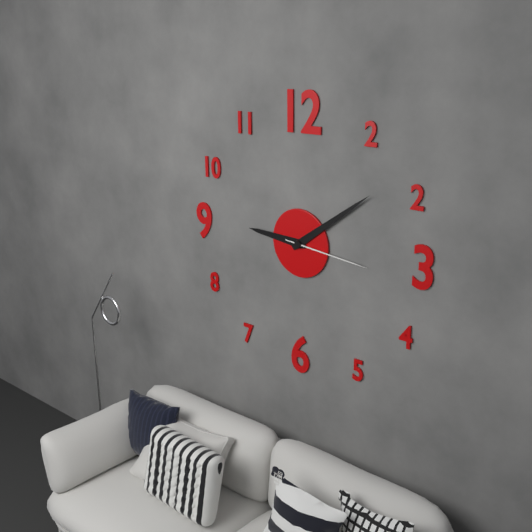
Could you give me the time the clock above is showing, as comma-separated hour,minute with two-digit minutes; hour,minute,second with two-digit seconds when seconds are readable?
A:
9,09,16
